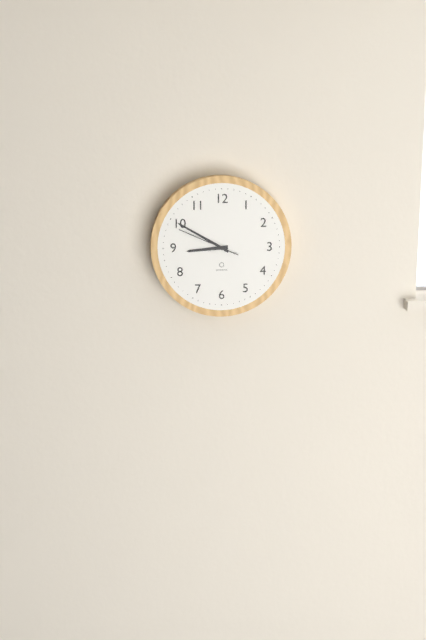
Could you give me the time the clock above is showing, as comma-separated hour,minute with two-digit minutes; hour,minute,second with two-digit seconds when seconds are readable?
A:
8,50,49
